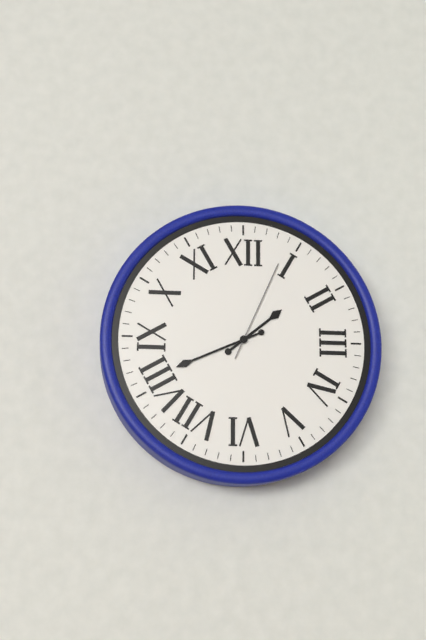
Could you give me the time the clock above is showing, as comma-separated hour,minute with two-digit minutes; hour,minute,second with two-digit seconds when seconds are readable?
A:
1,41,04
